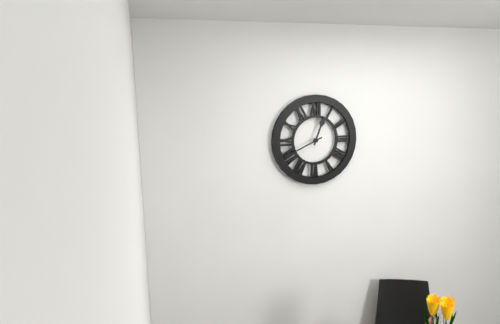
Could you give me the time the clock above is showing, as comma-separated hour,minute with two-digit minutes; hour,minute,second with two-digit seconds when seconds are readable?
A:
12,41
